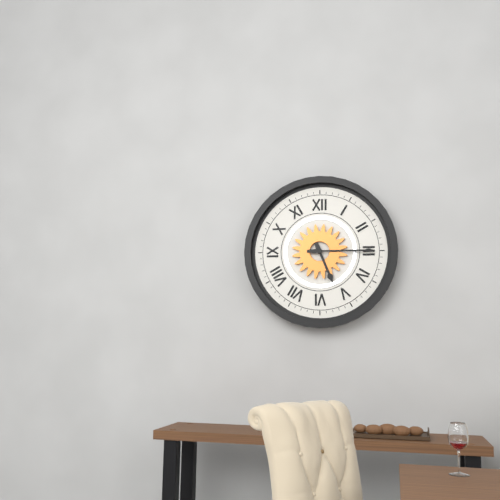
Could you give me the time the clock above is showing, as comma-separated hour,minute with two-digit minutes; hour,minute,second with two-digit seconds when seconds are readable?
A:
5,15
